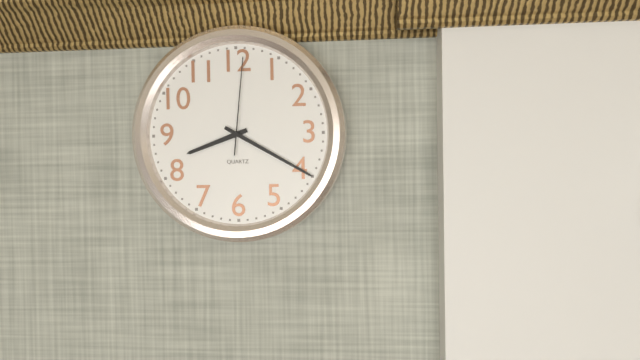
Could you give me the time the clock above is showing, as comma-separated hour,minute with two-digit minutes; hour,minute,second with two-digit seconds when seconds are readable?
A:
8,20,01
